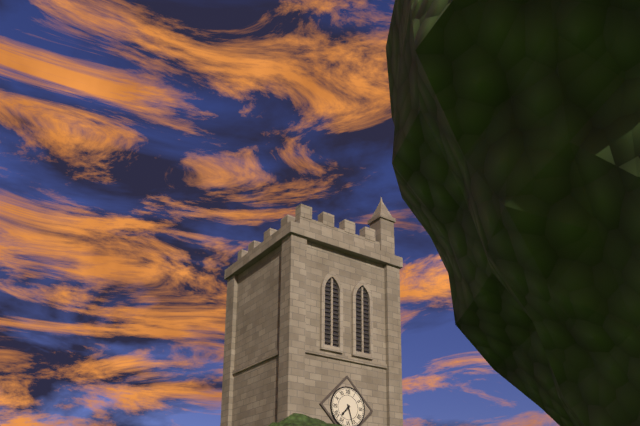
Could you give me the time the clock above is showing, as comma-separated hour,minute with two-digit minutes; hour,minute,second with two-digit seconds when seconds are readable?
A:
7,27
